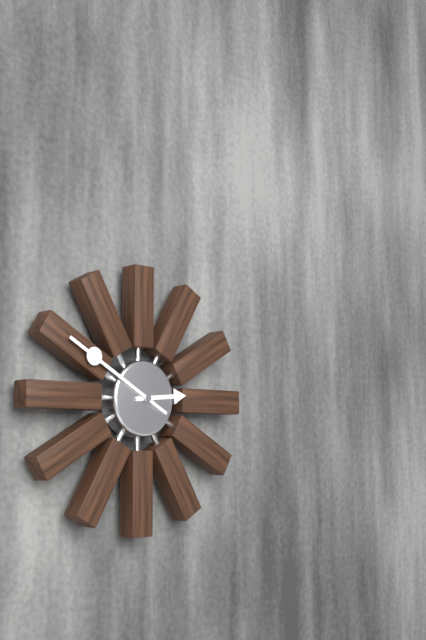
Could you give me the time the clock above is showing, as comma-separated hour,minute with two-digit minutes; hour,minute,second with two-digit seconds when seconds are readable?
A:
2,50
